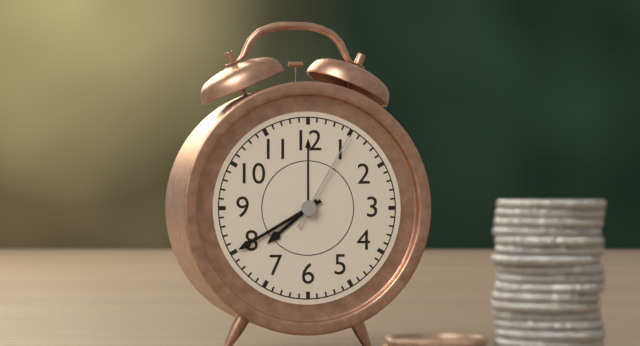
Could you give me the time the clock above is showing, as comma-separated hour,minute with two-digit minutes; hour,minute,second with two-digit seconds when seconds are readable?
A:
7,40,05
